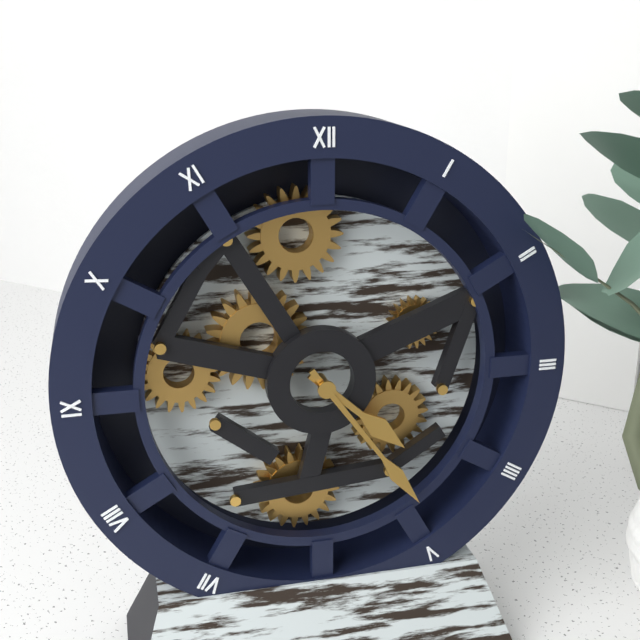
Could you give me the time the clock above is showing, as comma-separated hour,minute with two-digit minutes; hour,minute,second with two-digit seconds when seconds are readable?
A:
4,24
